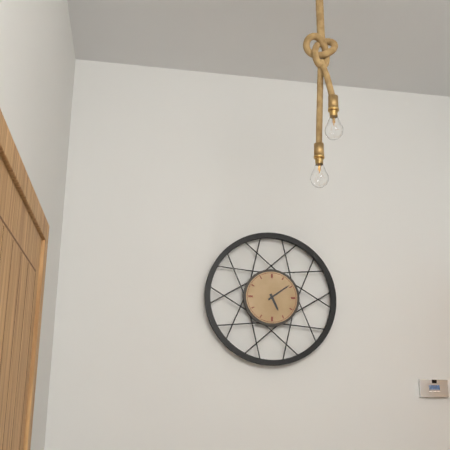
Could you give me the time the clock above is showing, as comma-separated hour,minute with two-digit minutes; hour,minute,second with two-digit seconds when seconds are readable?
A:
5,09
